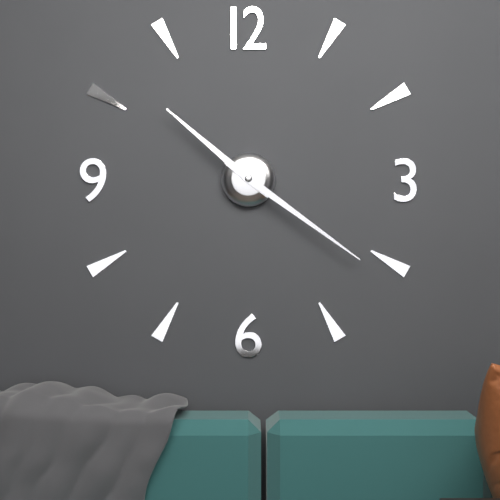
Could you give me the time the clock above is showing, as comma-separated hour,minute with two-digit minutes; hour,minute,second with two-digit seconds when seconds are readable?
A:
10,21
